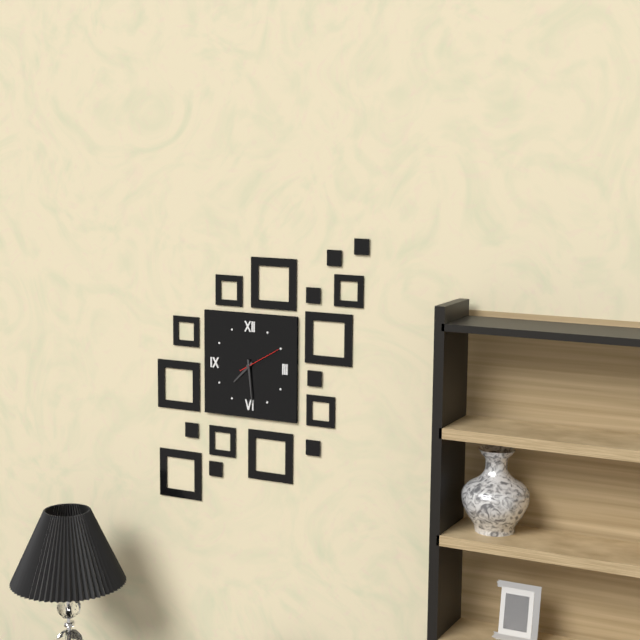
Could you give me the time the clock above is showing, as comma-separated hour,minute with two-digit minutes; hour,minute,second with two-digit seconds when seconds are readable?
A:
7,29
